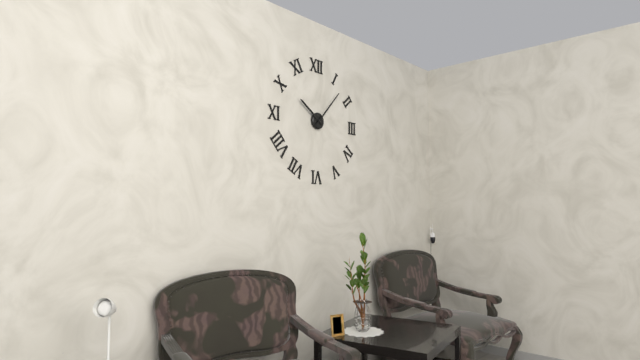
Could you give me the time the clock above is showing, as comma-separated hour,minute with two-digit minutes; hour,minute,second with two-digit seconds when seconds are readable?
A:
10,07
